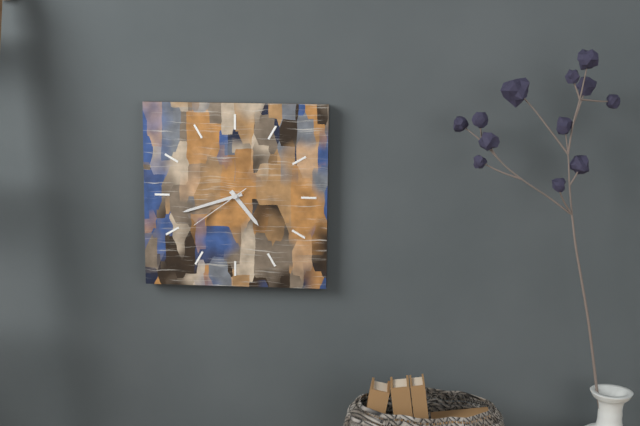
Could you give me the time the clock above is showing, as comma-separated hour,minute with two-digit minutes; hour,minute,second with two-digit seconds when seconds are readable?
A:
4,42,39
